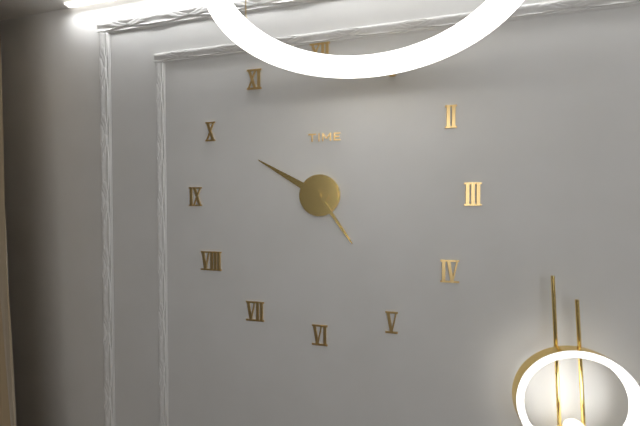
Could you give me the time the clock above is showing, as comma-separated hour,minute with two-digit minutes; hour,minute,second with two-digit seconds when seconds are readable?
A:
4,50
